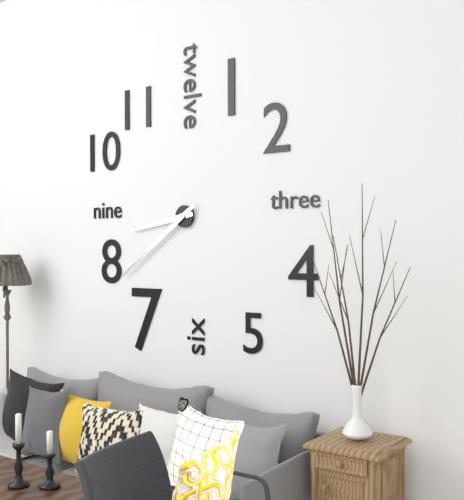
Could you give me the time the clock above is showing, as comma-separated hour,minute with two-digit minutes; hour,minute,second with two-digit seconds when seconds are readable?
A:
8,39
